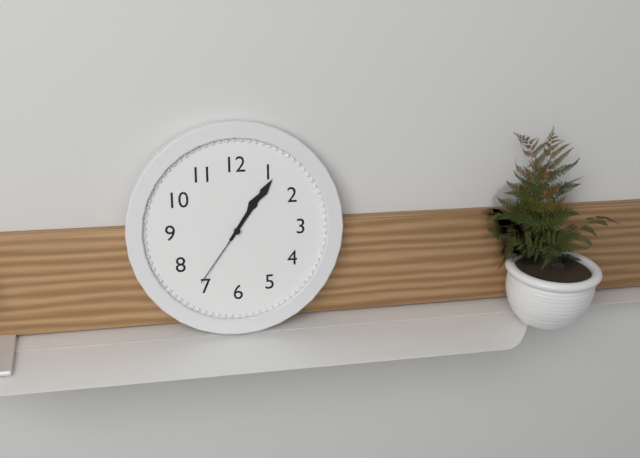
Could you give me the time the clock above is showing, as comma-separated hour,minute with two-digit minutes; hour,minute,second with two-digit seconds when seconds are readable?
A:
1,06,36
